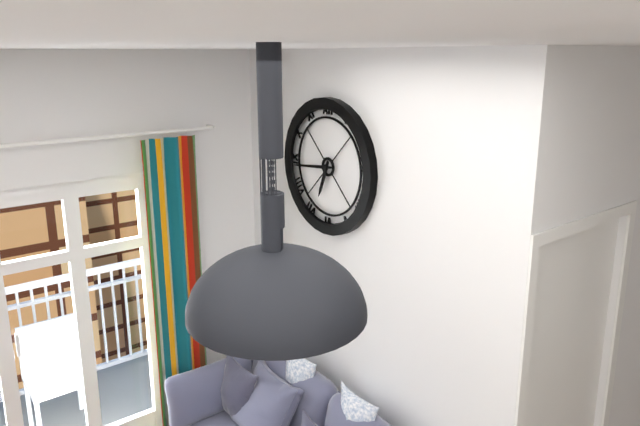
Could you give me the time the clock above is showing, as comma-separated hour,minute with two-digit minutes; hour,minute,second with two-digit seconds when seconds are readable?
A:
6,44
